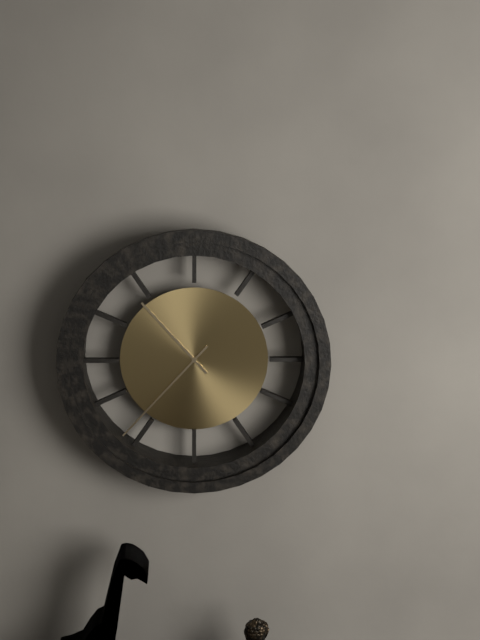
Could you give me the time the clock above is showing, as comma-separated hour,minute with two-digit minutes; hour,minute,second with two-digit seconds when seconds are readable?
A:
10,37
